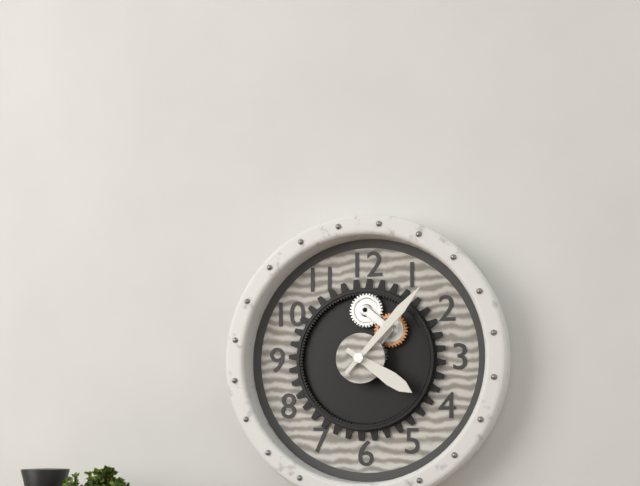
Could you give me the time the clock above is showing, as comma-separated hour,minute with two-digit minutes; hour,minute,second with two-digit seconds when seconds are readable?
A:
4,07
